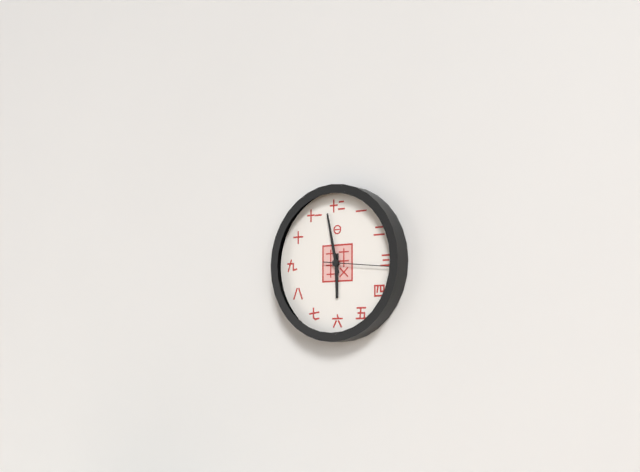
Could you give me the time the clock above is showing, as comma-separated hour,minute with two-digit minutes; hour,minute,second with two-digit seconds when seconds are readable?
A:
5,58,16
